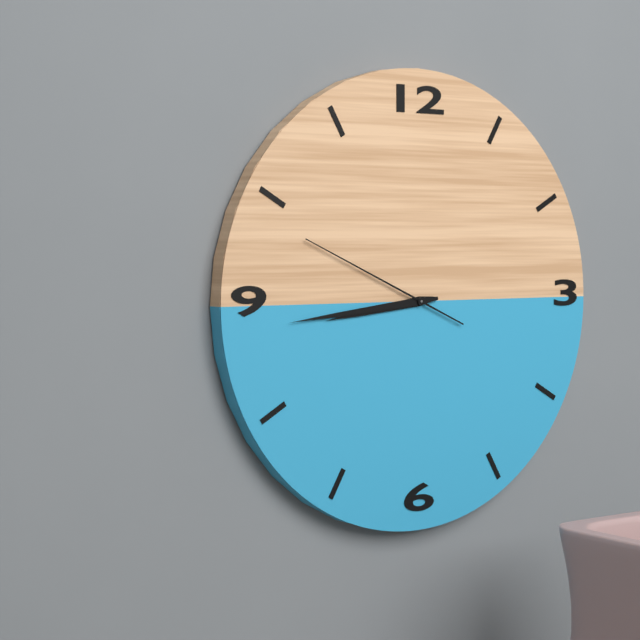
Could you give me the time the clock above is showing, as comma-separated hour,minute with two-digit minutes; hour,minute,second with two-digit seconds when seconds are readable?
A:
8,44,49
